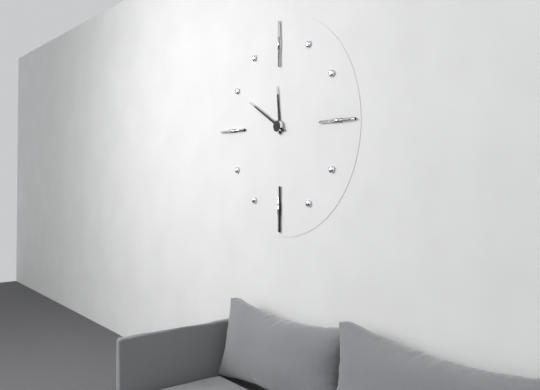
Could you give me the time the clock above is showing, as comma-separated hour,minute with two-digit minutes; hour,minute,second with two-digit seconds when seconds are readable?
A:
11,50
